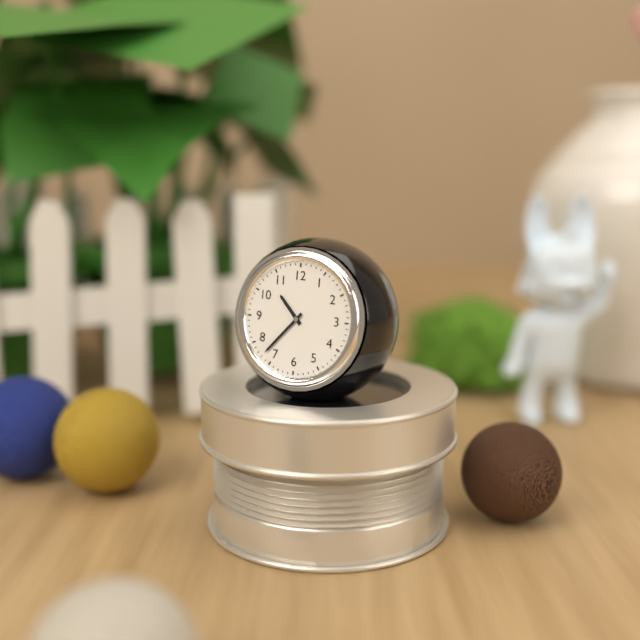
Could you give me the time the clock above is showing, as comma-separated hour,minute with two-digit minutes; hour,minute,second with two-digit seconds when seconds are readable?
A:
10,37
